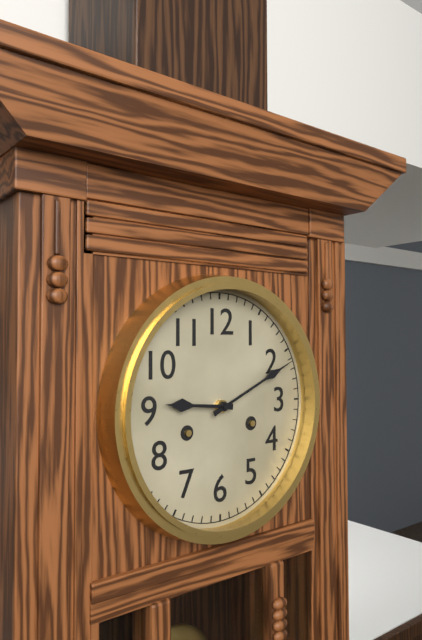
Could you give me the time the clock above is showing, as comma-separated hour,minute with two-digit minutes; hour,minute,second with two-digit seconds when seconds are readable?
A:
9,11
